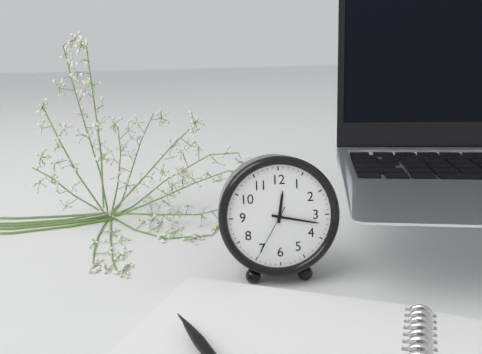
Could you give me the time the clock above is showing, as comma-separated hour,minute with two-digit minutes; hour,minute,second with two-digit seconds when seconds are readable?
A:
12,17,35
